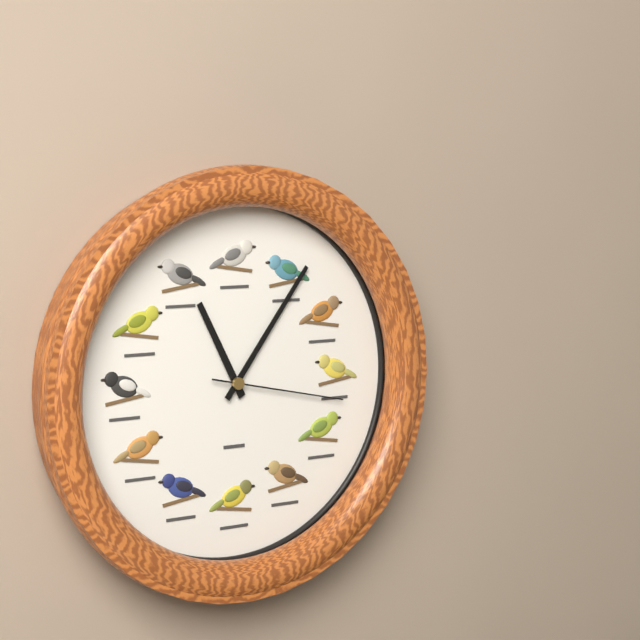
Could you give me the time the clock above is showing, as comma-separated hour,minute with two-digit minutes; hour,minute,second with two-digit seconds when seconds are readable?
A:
11,06,17
